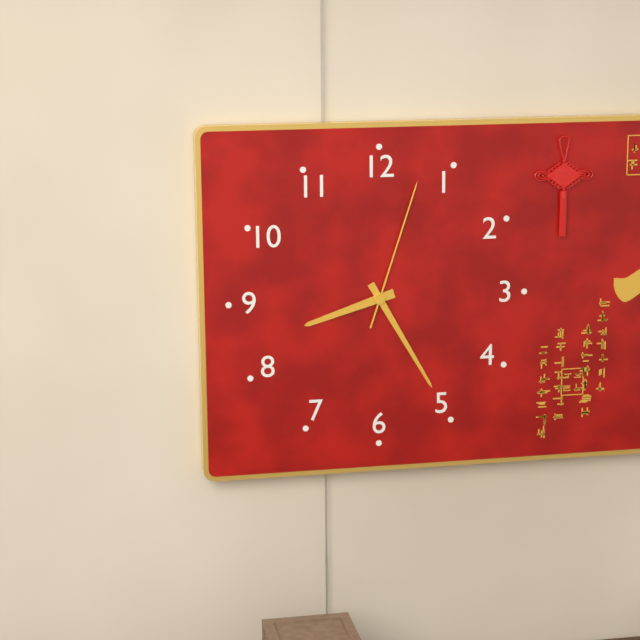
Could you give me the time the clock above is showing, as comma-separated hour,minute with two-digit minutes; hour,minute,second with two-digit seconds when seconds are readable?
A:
8,25,03
